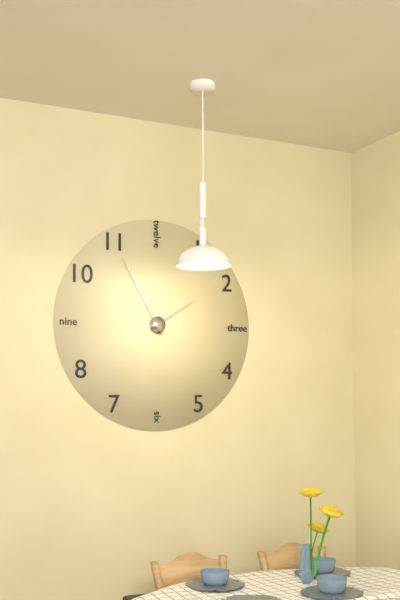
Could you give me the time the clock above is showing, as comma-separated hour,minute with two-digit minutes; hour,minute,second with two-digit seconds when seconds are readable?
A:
1,55
